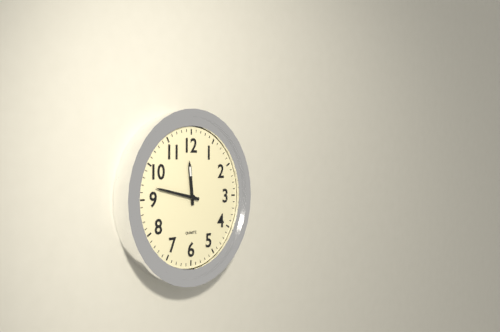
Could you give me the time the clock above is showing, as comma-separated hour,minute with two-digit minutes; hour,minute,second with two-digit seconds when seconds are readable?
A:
11,47
